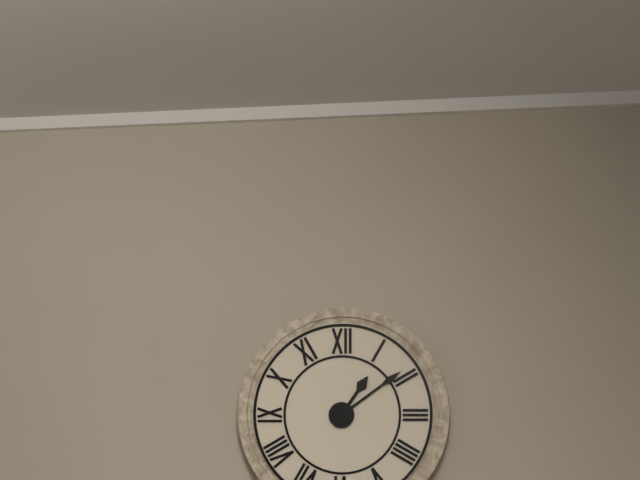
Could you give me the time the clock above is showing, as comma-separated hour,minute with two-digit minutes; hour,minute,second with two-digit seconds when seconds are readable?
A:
1,09
